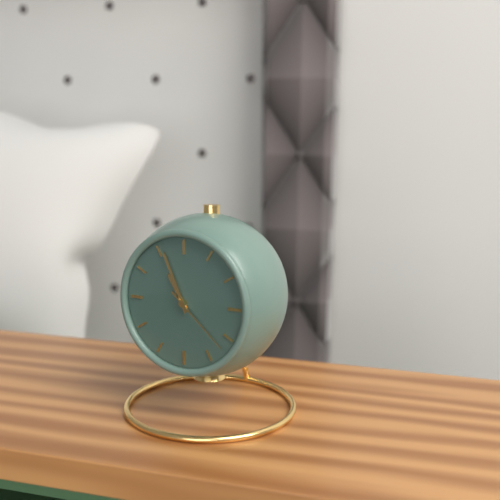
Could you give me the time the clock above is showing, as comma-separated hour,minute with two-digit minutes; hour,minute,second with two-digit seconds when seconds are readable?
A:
10,56,22
